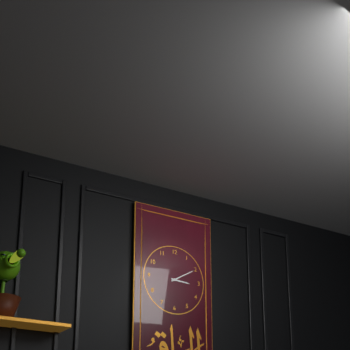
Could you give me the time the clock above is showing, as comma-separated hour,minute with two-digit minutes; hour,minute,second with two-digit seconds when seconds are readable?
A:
3,10
